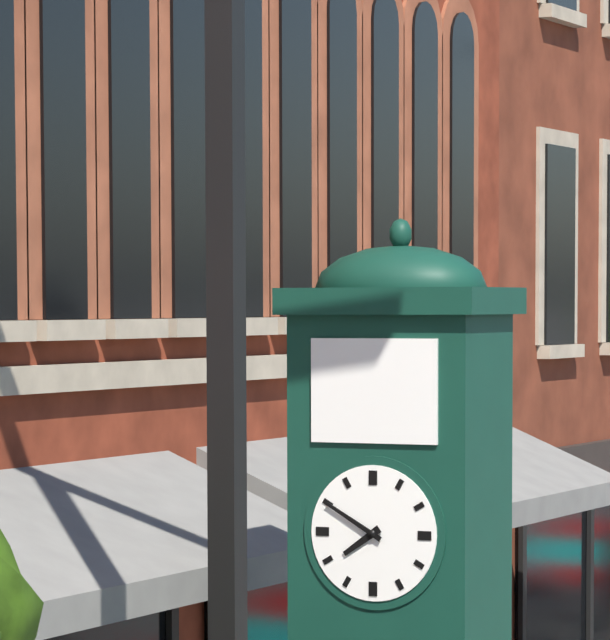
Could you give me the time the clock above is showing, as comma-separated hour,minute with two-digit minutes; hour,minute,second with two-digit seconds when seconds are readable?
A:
7,50
